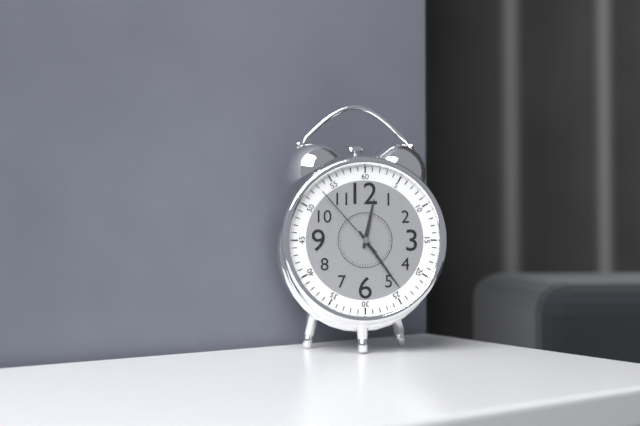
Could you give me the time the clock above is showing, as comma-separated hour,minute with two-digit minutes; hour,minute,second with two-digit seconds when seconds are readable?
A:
12,24,53
